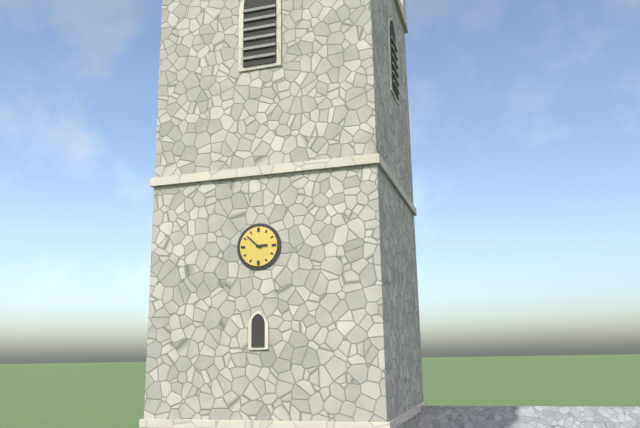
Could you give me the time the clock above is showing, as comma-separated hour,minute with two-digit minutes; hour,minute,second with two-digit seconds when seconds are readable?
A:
2,52
